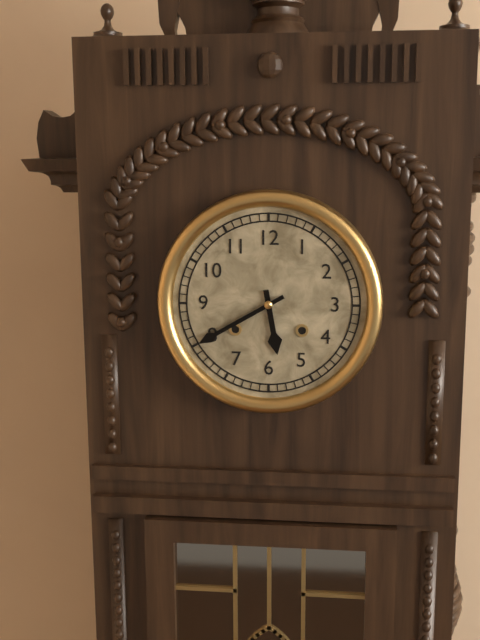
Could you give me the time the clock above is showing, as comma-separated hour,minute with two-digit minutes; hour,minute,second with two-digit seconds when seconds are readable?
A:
5,40
